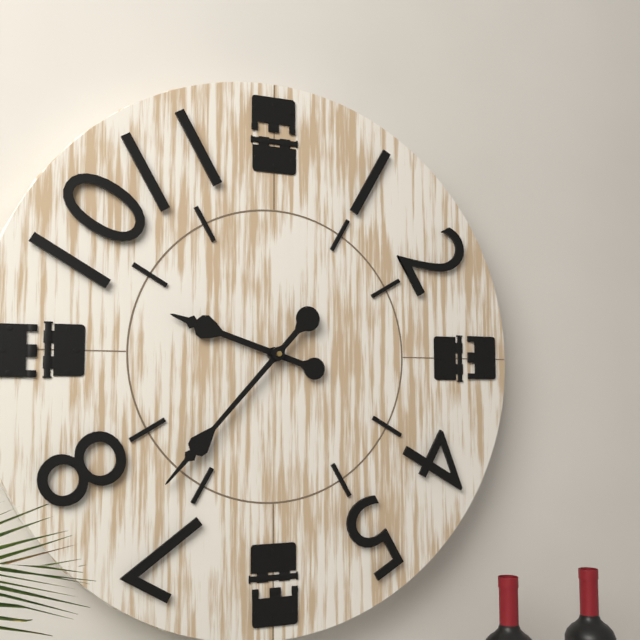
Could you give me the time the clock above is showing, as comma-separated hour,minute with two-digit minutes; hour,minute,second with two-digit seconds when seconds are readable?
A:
9,37
